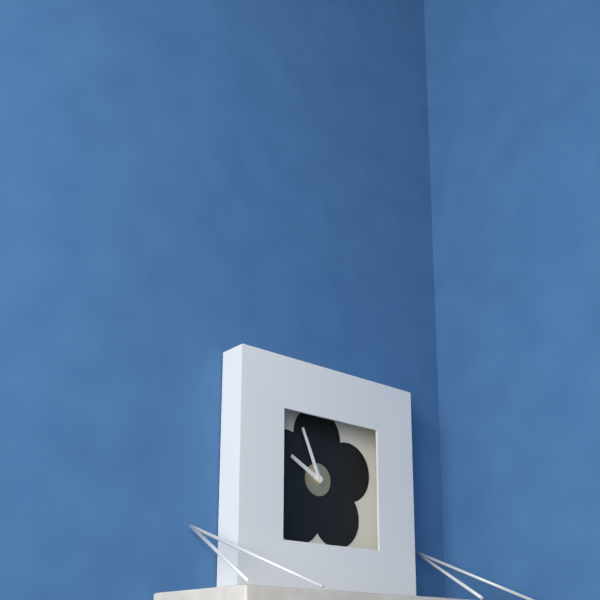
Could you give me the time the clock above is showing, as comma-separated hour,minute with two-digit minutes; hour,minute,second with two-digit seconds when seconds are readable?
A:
9,56
